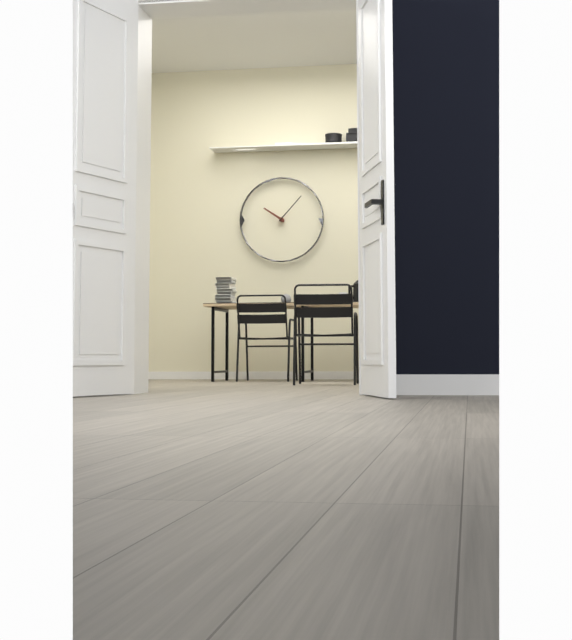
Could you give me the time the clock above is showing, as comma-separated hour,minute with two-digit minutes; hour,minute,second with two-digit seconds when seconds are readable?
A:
10,07
